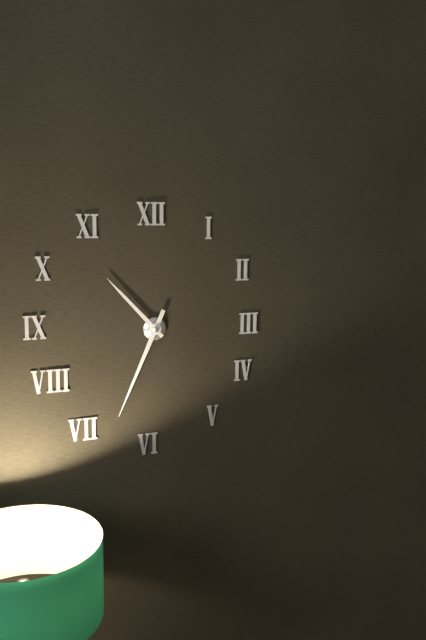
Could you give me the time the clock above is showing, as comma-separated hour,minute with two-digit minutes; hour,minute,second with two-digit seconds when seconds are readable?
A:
10,34
